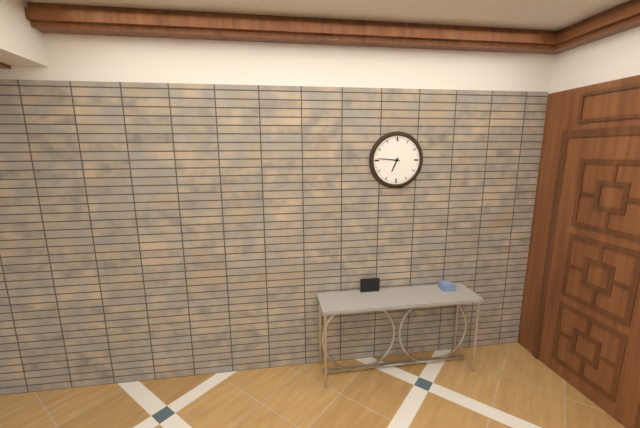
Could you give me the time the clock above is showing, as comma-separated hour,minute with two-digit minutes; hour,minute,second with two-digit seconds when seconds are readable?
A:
6,46
